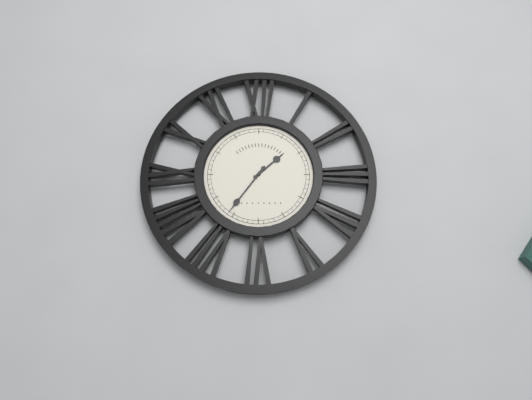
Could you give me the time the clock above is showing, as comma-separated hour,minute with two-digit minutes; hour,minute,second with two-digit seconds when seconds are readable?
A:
1,36
